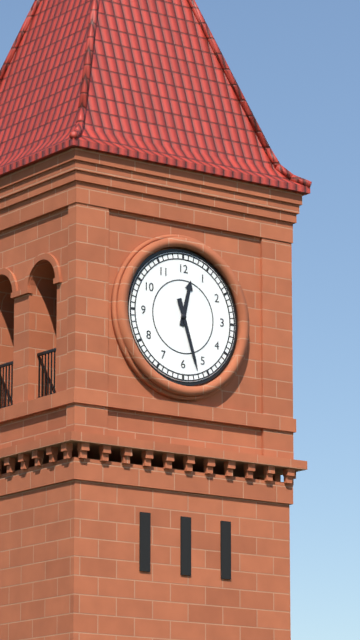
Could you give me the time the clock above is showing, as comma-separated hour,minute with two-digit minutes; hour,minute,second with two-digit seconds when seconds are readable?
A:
12,27
